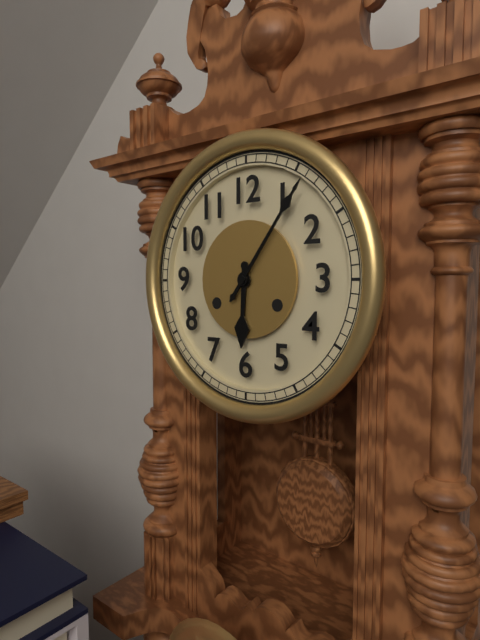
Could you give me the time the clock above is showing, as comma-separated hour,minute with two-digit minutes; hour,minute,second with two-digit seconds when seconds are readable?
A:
6,06
